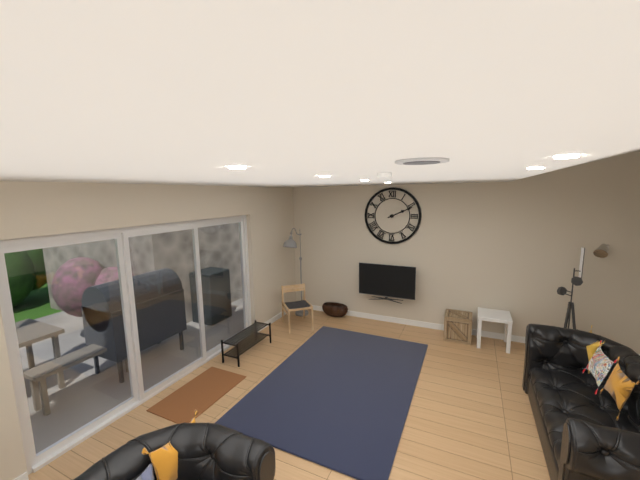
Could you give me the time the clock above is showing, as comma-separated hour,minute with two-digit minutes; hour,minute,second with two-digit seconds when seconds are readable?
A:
2,11
